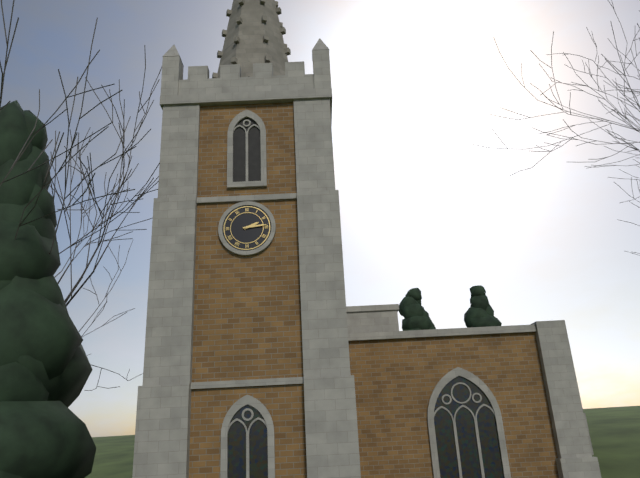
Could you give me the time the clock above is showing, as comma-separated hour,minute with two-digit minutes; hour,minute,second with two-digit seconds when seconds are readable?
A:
2,14
